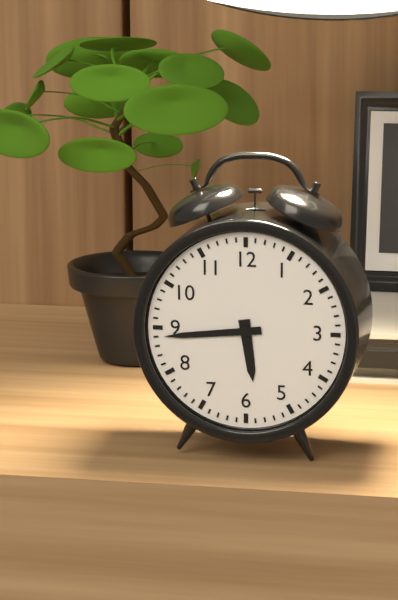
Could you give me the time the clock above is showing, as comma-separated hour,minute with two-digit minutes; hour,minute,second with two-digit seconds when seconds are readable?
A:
5,44
